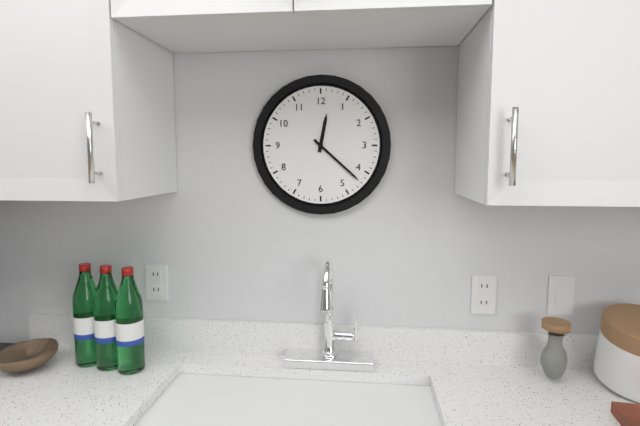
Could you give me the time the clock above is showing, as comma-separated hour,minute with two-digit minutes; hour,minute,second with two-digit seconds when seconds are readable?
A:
12,22
